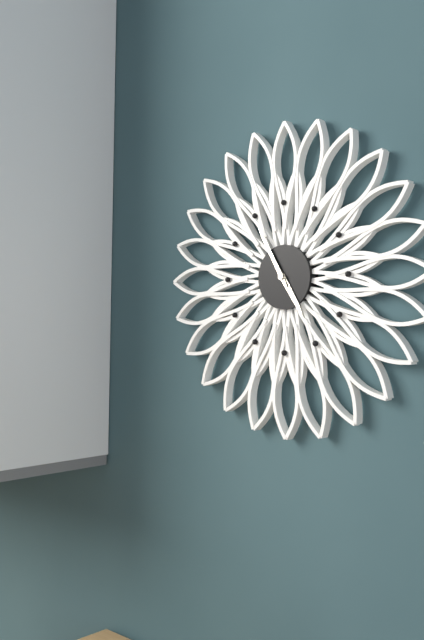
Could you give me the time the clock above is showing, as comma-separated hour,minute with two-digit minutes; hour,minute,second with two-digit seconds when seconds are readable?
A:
4,55
